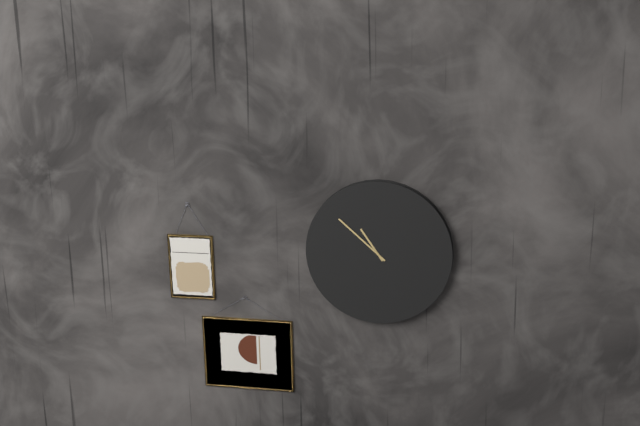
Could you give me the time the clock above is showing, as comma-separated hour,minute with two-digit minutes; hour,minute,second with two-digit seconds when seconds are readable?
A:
10,52
